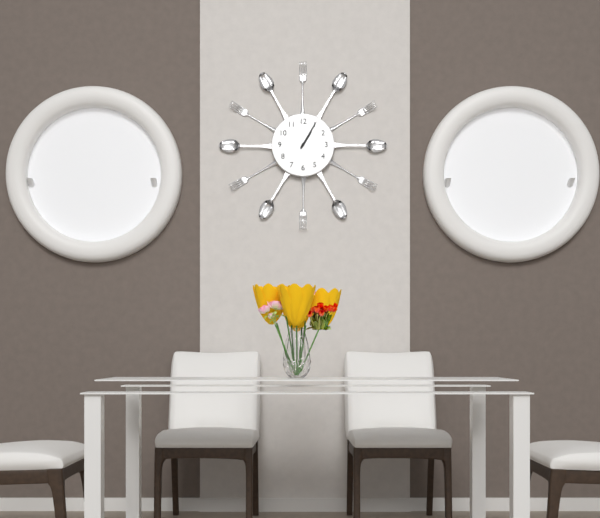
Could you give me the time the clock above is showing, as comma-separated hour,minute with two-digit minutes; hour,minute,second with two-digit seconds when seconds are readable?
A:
1,05
